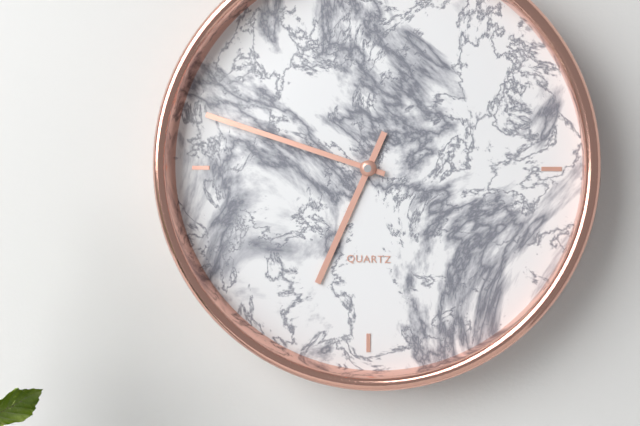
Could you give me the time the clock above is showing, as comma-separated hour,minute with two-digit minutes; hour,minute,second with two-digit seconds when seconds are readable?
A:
6,48
